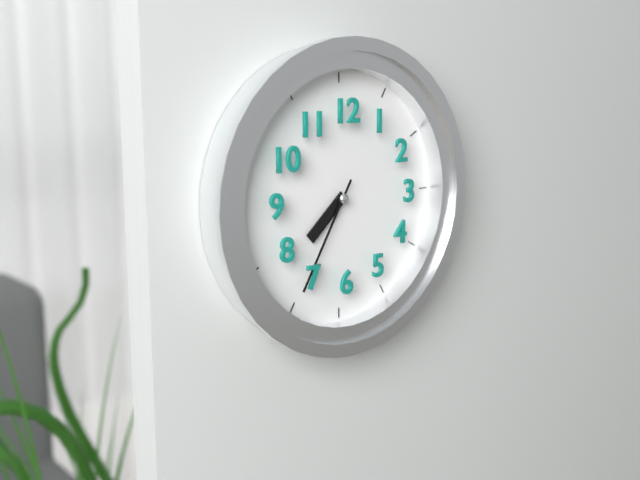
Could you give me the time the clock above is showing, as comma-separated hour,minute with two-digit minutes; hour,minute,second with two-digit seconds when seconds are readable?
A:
7,35
